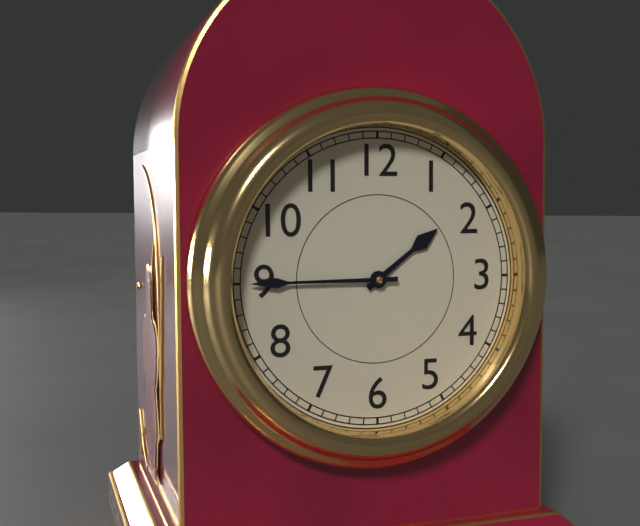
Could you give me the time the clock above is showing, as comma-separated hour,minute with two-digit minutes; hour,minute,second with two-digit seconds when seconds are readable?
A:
1,45
